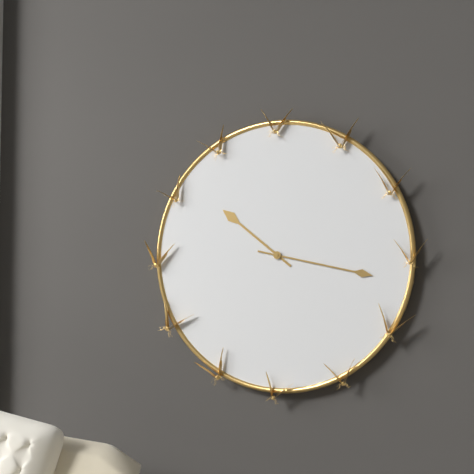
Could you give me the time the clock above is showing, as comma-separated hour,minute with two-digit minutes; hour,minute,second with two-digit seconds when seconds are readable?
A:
10,17
